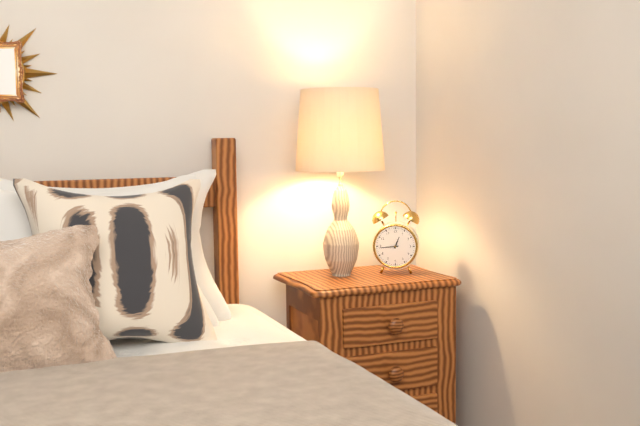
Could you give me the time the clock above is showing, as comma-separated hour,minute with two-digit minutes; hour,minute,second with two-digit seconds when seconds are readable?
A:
12,44
